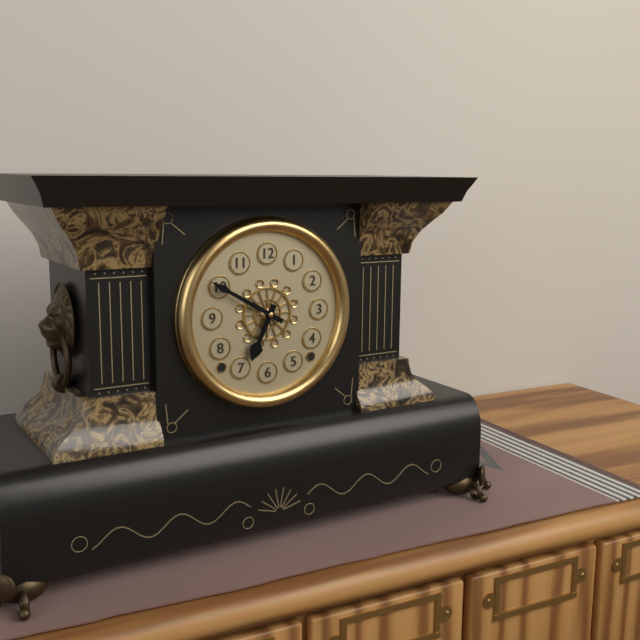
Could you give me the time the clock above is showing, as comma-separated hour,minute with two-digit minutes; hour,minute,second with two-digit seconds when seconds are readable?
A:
6,50
